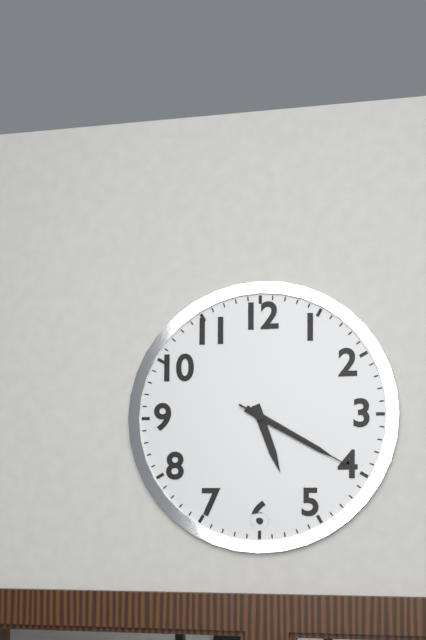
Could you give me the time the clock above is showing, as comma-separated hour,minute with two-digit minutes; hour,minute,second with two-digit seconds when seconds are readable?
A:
5,20,20
